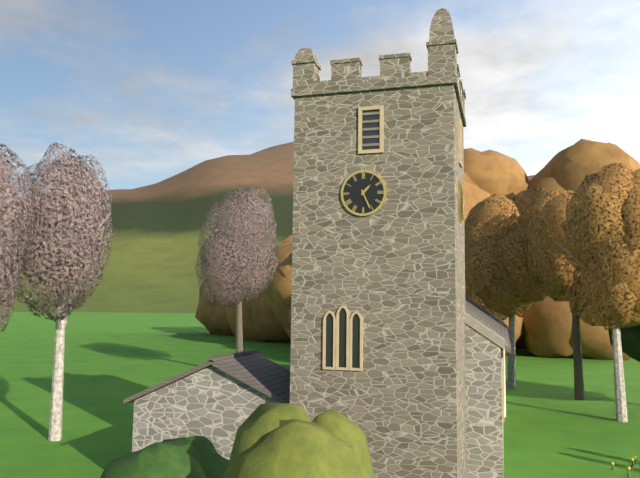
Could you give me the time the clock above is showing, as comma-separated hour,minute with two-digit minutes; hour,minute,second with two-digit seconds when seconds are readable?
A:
1,26
